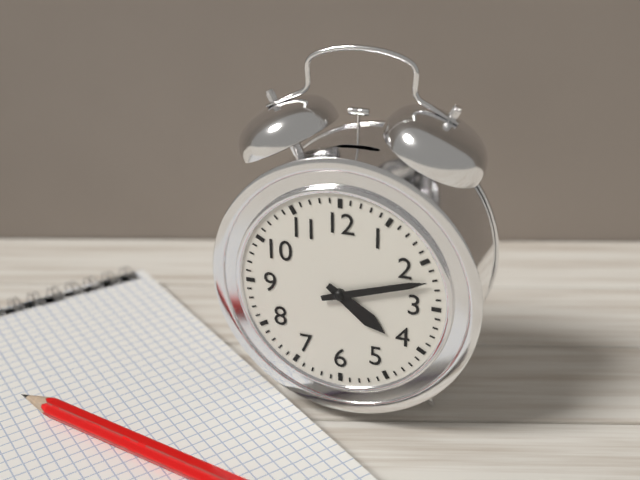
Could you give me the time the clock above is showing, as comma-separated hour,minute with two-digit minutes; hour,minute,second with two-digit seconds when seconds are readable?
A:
4,12
